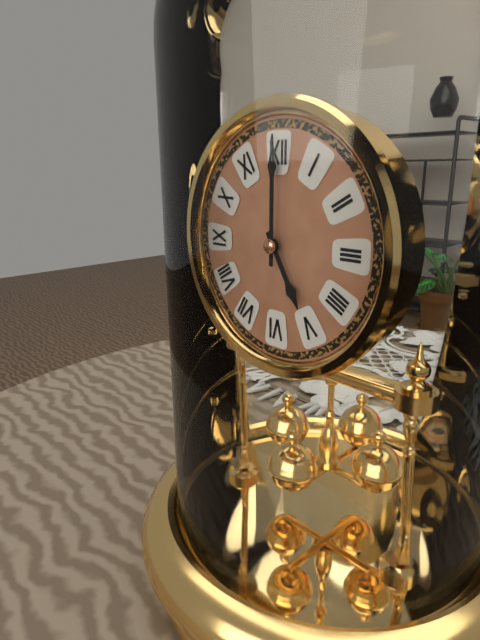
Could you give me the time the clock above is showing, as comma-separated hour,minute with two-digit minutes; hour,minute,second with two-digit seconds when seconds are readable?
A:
5,00
